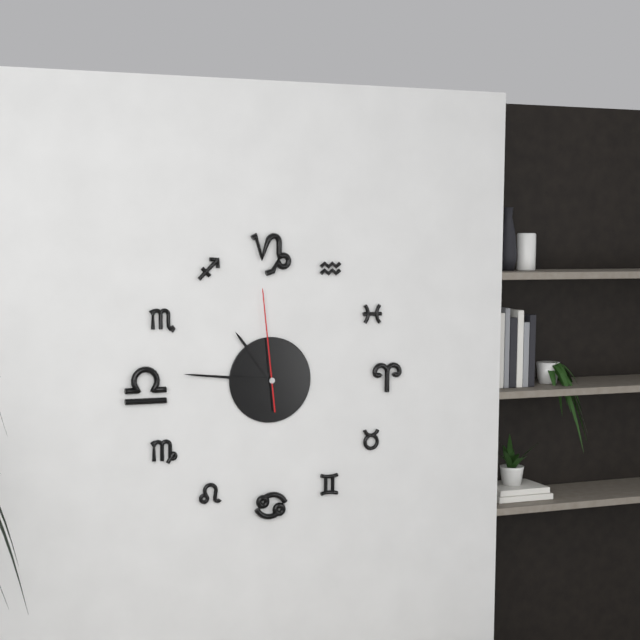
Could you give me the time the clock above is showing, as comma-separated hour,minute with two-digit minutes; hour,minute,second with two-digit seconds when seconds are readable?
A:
10,46,59
